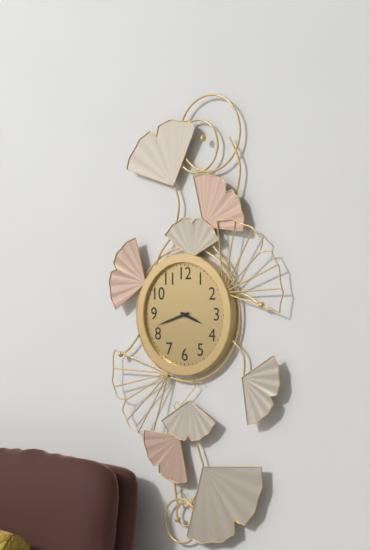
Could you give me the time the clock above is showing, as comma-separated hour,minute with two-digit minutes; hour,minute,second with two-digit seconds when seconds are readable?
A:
3,42
